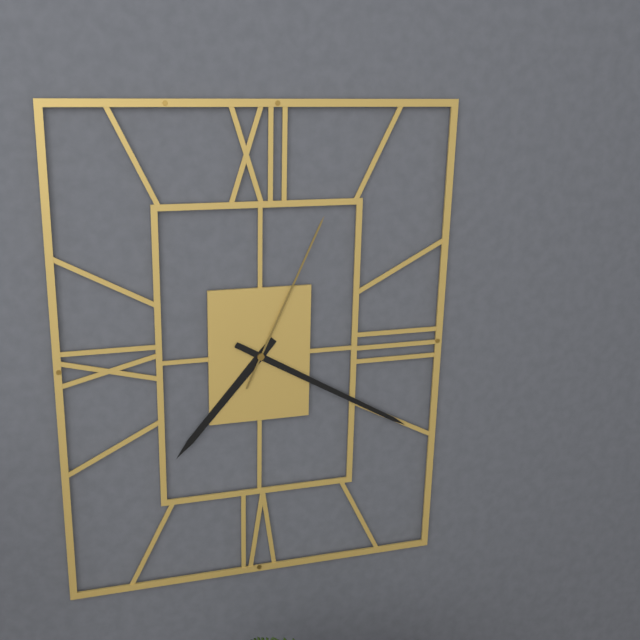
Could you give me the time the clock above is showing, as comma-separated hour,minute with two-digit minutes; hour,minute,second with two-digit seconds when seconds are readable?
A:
7,20,04
